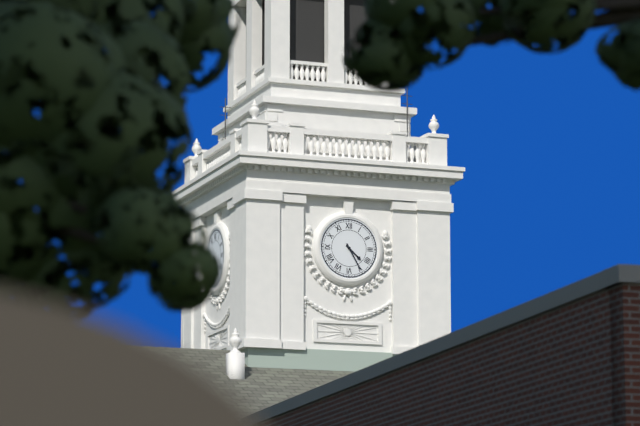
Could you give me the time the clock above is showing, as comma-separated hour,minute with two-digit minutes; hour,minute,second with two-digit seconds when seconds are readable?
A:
4,25
